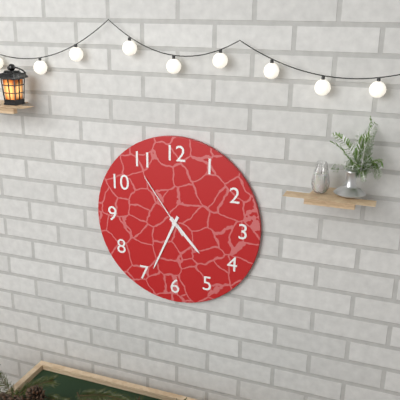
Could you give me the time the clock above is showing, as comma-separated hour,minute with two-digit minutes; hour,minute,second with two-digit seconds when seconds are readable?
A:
4,34,54
